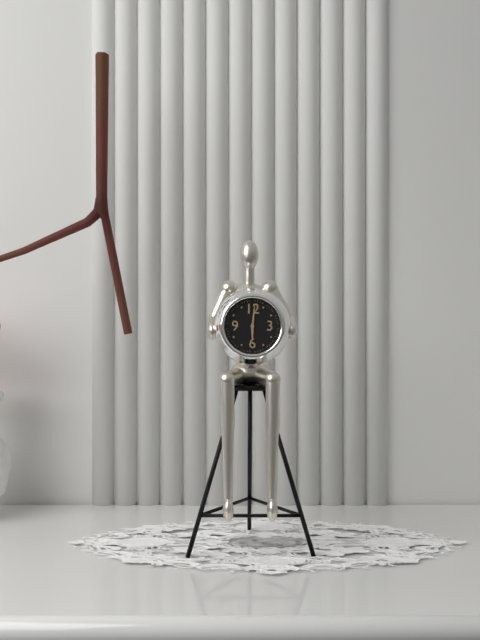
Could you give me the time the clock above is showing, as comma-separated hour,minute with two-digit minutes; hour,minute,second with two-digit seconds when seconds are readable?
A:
6,01
